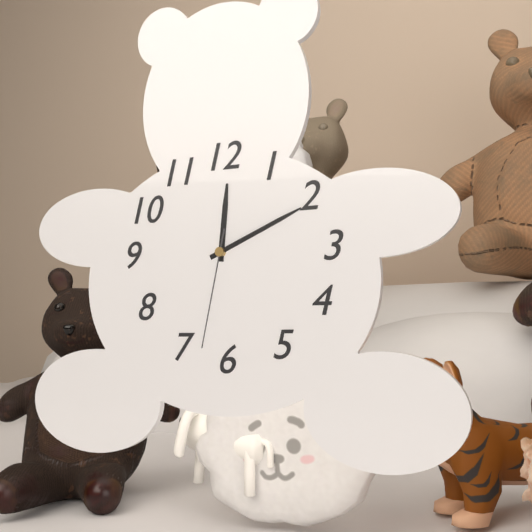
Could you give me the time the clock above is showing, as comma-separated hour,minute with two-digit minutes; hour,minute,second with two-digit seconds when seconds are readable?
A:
12,11,32
